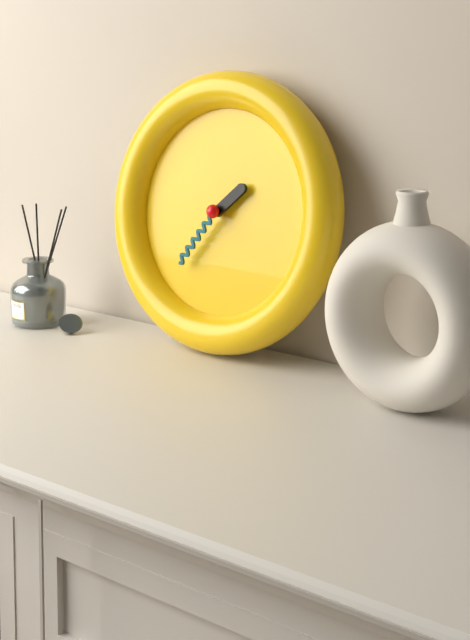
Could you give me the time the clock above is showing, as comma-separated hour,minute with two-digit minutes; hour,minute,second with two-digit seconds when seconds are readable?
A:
1,36
